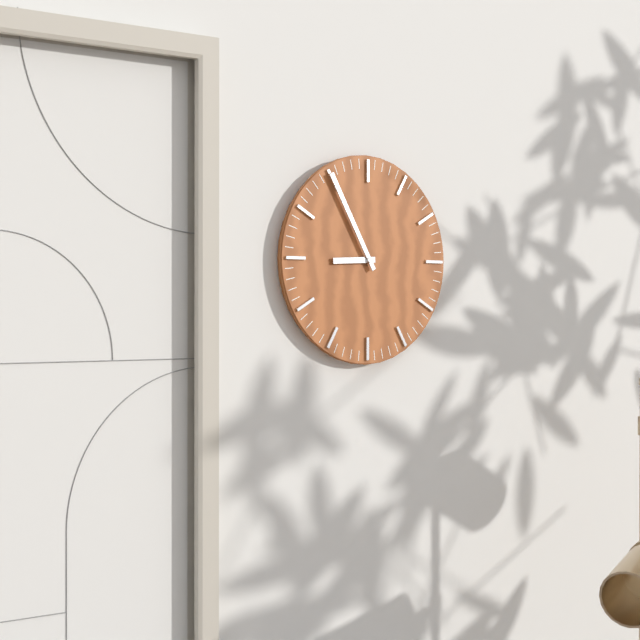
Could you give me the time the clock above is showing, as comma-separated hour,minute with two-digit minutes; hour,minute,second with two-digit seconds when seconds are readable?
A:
8,55
